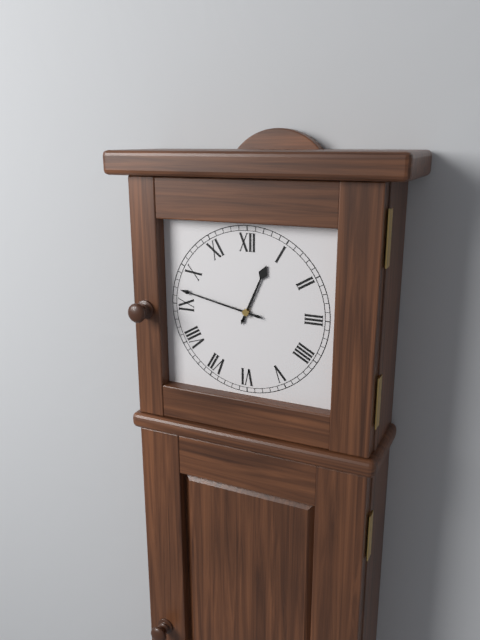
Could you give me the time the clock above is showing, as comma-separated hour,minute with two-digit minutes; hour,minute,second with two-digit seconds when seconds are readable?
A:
12,47
